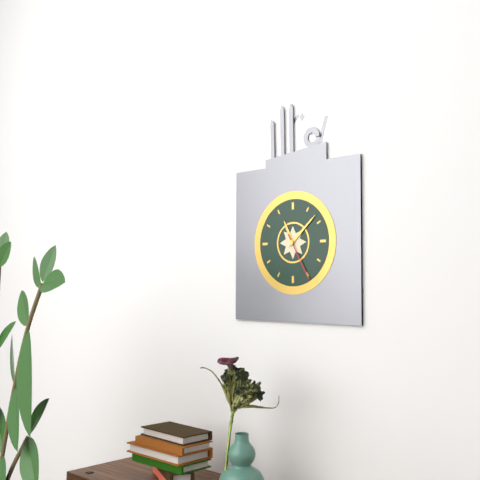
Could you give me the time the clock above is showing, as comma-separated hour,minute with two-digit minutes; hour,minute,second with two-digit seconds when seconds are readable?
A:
11,08,25
